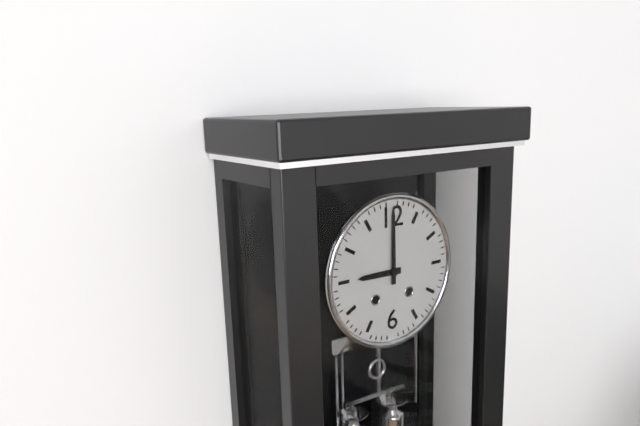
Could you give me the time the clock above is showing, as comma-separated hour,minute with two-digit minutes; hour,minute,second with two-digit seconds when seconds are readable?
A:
9,00
